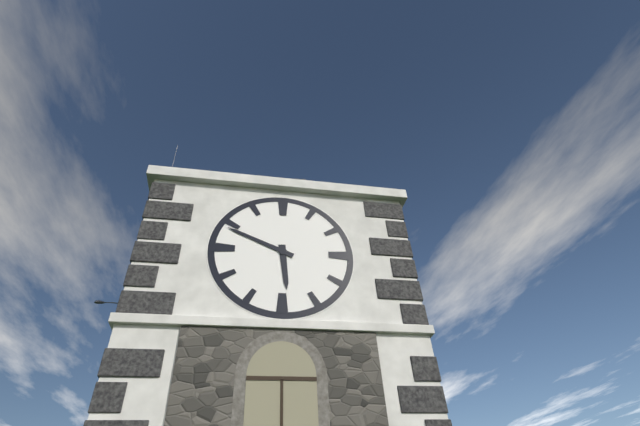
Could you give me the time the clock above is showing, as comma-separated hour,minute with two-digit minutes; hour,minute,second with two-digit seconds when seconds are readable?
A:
5,49
